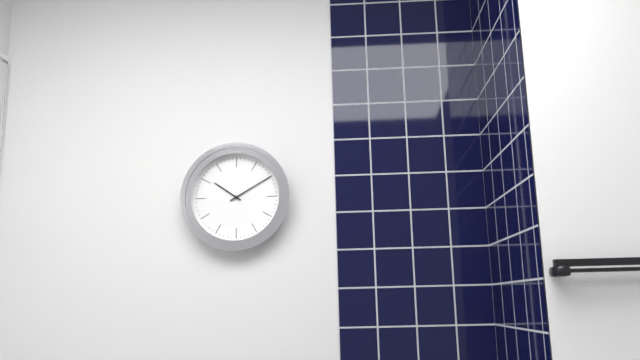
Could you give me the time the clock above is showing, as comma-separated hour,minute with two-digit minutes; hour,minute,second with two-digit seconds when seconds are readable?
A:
10,10
